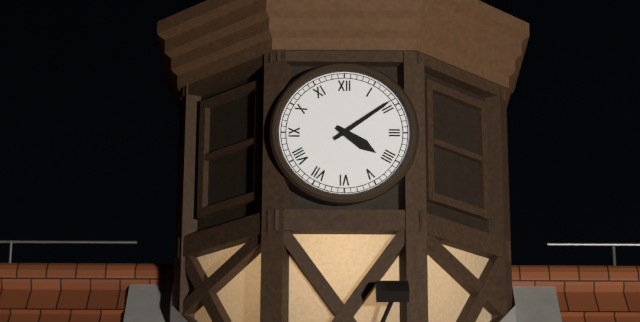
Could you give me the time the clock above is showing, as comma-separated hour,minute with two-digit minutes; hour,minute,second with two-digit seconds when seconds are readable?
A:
4,09
